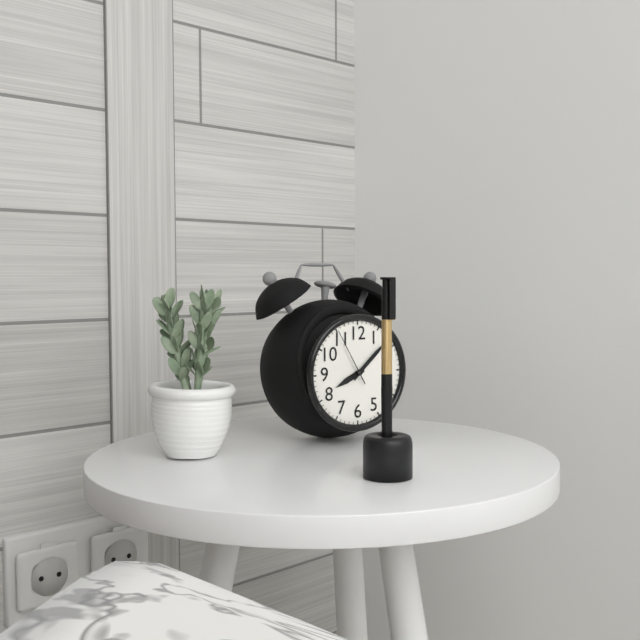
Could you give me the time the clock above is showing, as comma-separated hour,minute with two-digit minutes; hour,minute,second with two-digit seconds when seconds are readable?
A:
8,08,55
